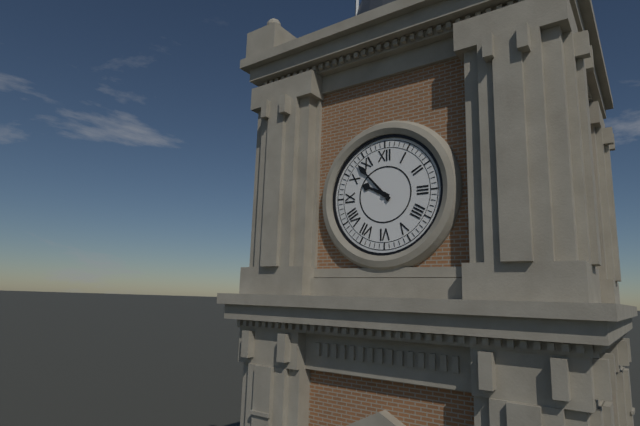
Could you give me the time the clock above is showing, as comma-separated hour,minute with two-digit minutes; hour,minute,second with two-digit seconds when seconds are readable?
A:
9,53
